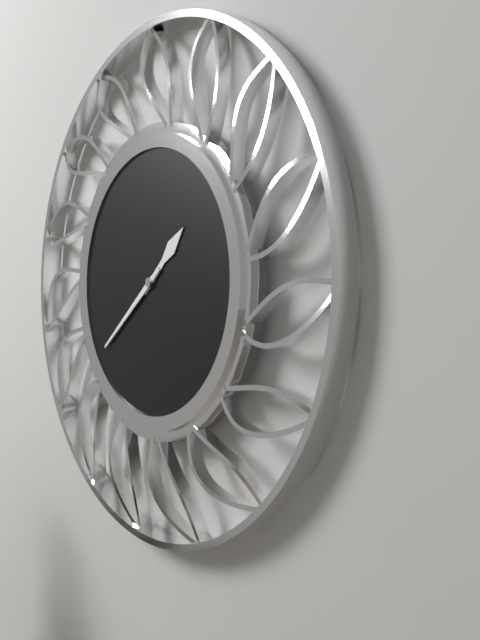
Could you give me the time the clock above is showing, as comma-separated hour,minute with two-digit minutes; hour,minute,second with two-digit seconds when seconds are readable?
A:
1,39
